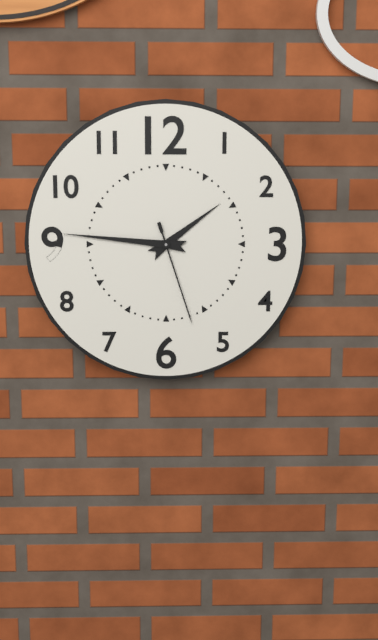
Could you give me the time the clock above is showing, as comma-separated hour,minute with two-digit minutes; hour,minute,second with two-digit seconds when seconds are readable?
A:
1,46,27
